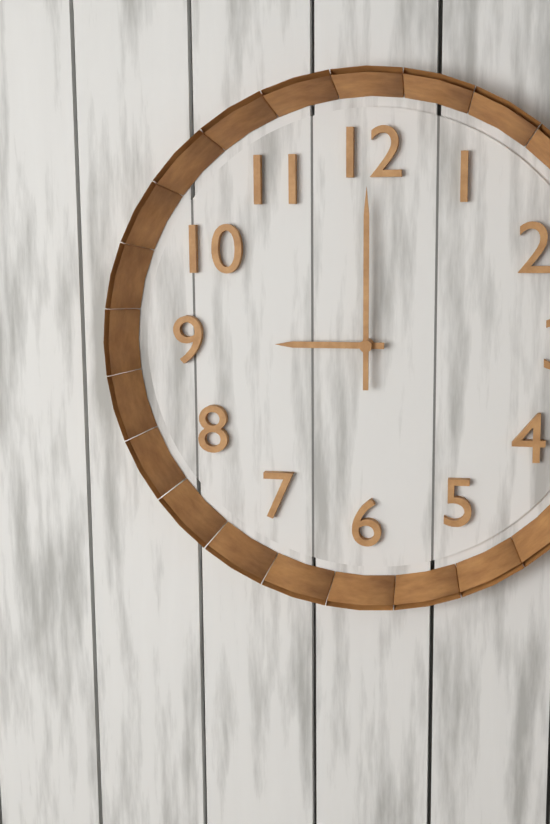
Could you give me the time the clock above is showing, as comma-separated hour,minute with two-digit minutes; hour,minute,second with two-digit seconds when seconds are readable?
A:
9,00
